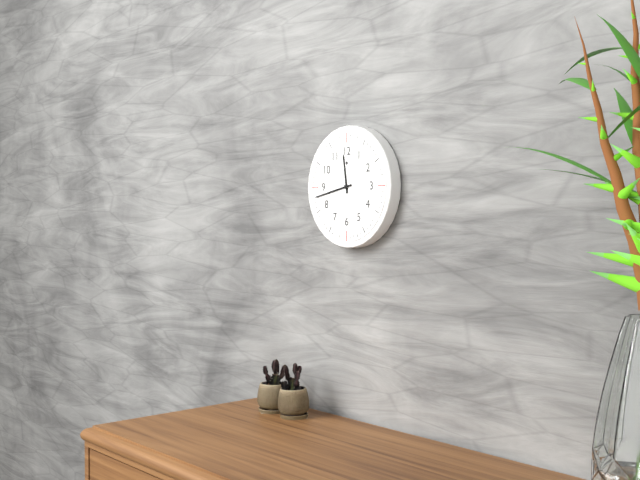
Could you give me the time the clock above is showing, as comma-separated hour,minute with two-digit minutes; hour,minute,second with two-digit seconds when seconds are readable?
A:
11,43
